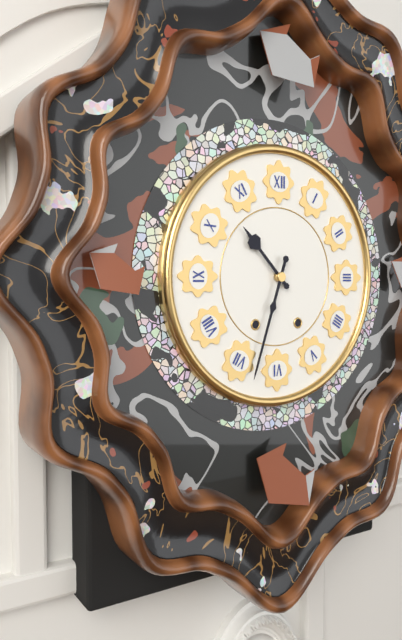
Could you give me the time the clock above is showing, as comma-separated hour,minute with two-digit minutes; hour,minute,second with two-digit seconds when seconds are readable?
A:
10,33
